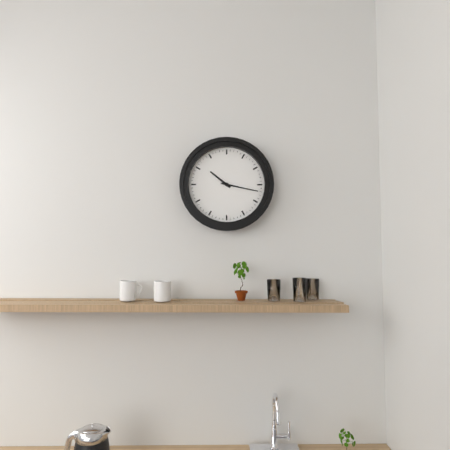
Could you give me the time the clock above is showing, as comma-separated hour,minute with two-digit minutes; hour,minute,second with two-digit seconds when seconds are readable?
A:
10,17
